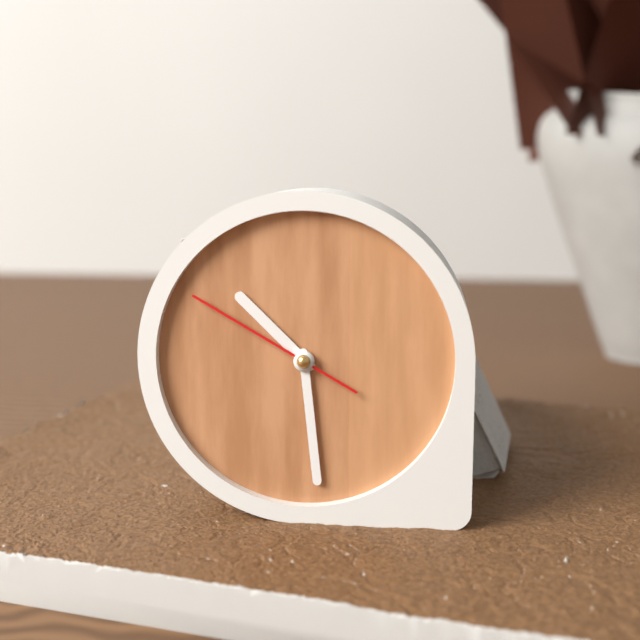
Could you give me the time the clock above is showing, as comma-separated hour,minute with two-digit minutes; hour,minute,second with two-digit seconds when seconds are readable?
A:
10,29,50
